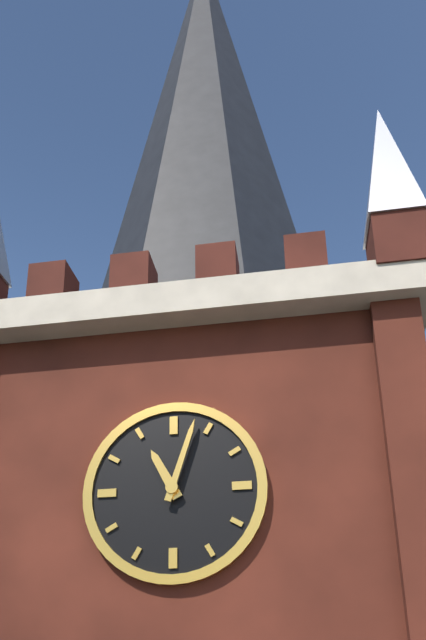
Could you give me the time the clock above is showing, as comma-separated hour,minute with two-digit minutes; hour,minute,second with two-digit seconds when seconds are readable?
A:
11,03
